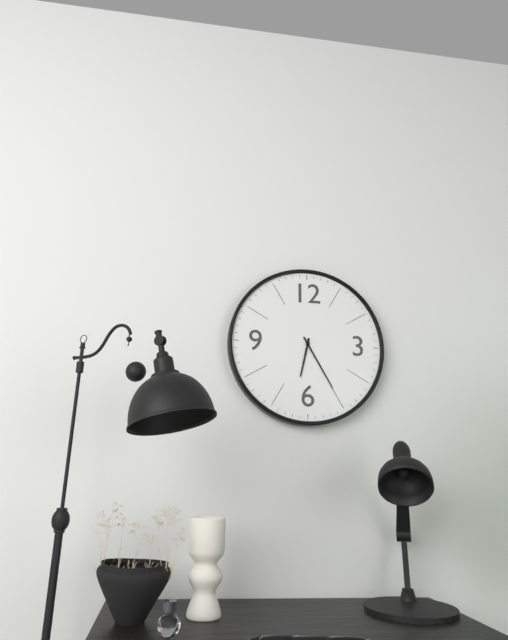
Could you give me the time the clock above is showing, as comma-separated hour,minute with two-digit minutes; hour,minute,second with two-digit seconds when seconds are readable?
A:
6,25
